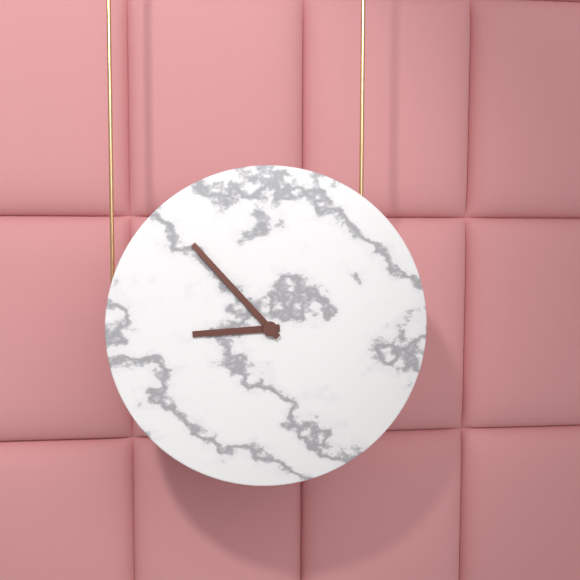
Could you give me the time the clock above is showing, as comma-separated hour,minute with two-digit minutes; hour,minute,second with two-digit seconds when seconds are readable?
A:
8,53
